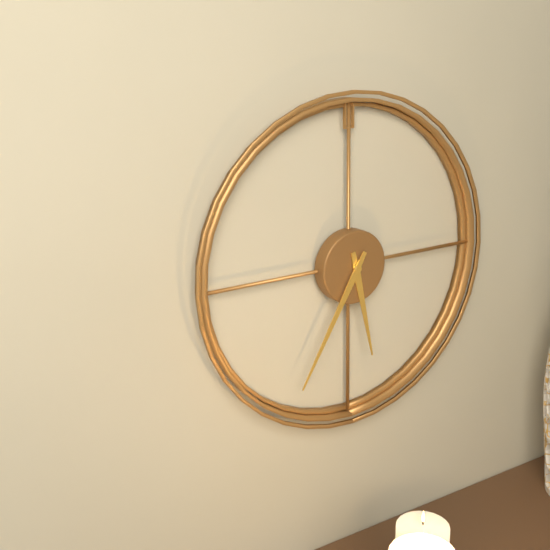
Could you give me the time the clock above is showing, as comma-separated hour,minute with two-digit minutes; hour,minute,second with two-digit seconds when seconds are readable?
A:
5,35
